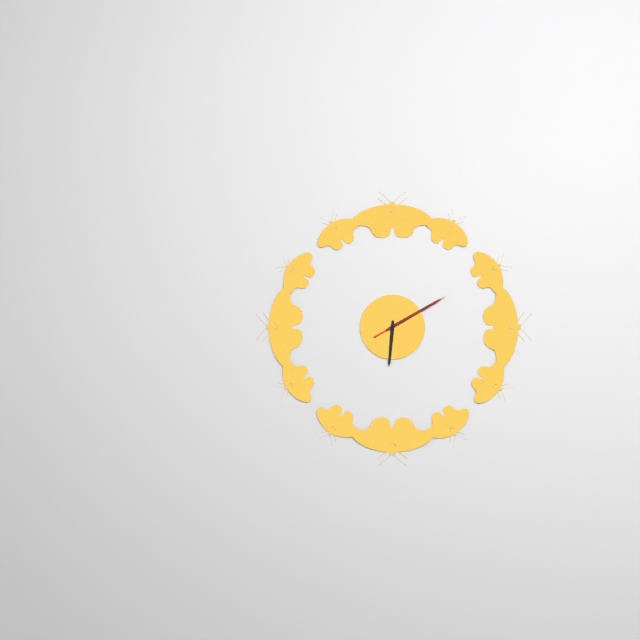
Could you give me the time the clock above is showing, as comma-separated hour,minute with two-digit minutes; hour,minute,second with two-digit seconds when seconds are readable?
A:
6,10,10
